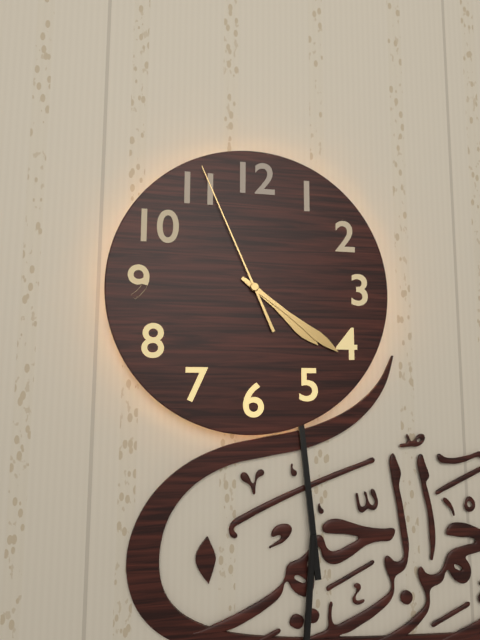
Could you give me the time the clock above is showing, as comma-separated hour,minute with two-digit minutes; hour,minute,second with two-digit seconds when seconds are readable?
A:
4,21,56
